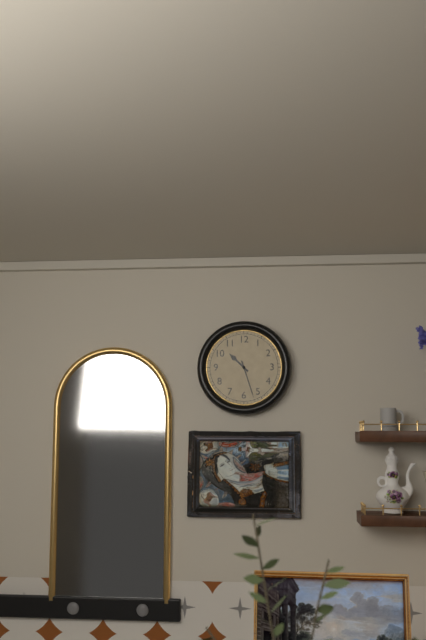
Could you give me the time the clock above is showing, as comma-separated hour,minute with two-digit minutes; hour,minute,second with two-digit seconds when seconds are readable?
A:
10,27
